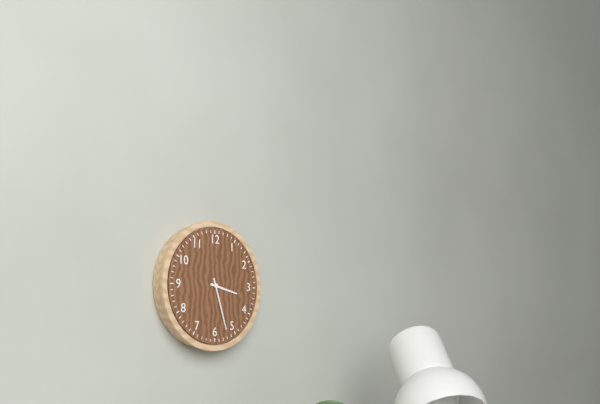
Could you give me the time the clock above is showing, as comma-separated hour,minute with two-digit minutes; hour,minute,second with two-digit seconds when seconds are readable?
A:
3,27
